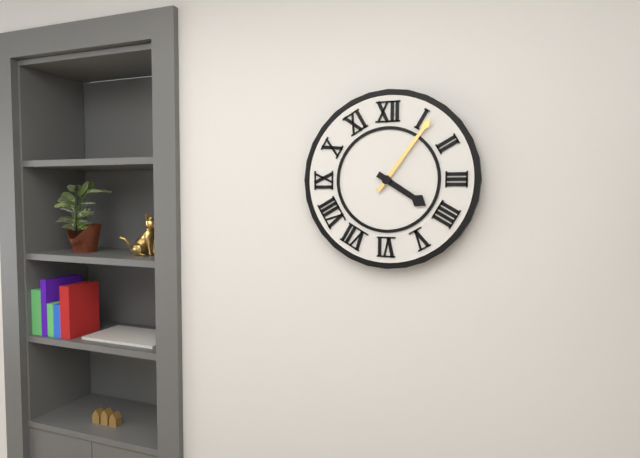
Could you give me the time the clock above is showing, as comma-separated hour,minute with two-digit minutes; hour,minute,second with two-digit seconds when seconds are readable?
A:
4,06
